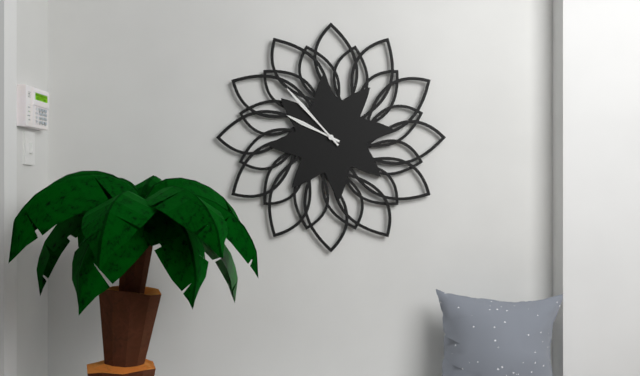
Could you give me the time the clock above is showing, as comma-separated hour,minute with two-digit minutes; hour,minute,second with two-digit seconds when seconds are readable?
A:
9,53
